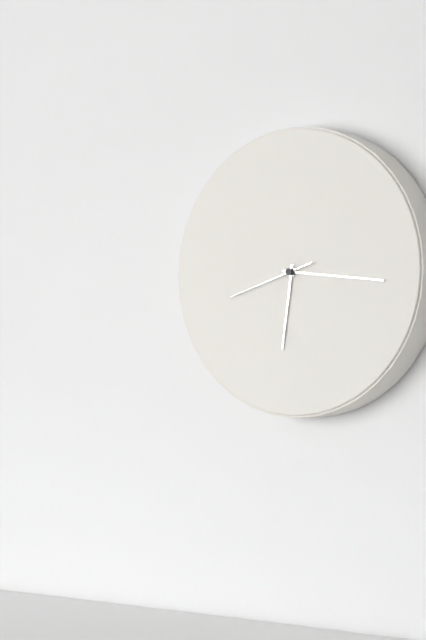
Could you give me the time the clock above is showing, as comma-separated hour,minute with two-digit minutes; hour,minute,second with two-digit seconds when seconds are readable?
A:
6,16,42
